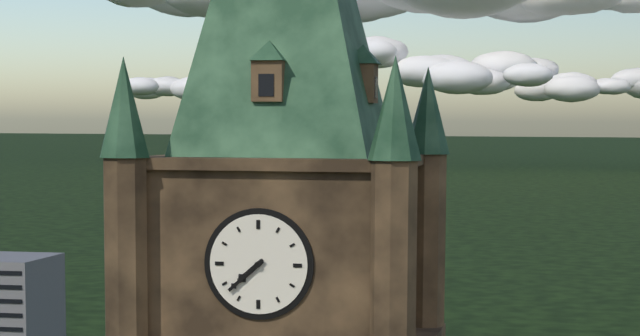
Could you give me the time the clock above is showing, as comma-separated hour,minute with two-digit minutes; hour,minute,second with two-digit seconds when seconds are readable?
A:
7,38
